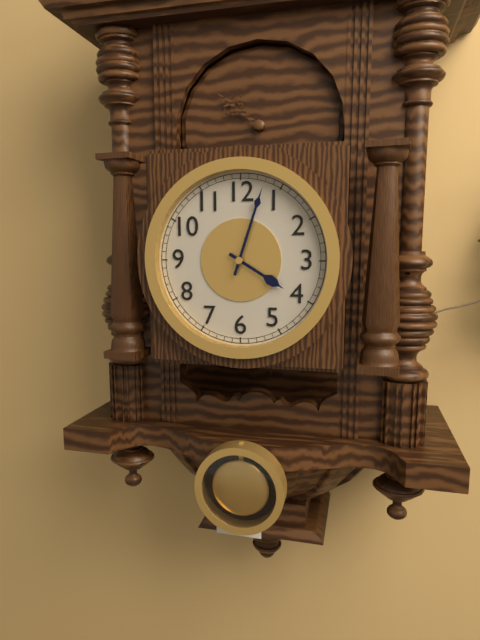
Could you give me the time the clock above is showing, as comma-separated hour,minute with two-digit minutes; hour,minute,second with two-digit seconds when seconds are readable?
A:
4,03
